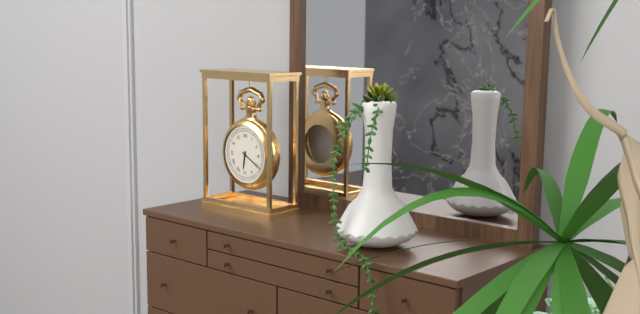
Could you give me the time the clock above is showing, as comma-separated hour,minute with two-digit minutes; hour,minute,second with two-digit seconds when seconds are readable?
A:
6,20
